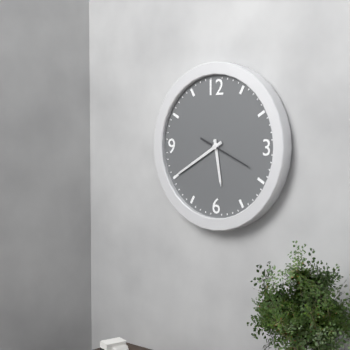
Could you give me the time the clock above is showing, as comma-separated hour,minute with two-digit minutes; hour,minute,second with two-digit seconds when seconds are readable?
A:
5,40
